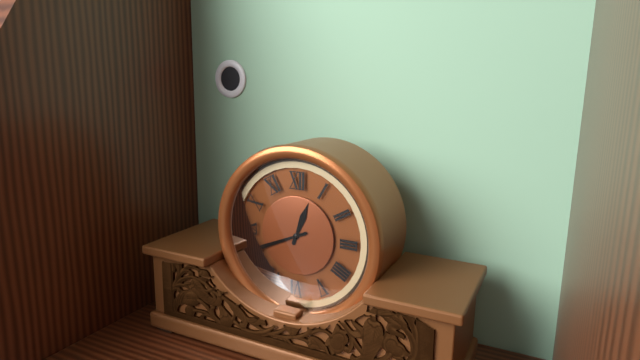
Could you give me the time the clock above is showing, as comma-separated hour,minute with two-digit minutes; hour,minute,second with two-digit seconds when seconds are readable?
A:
12,41
